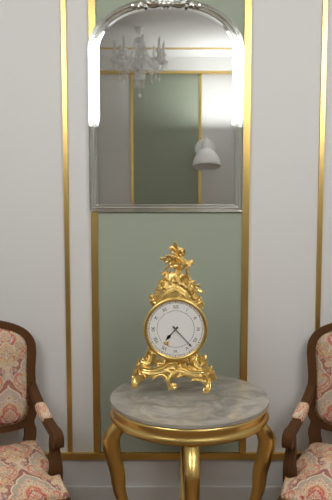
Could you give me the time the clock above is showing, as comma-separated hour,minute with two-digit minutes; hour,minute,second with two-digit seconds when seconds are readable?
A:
7,23
